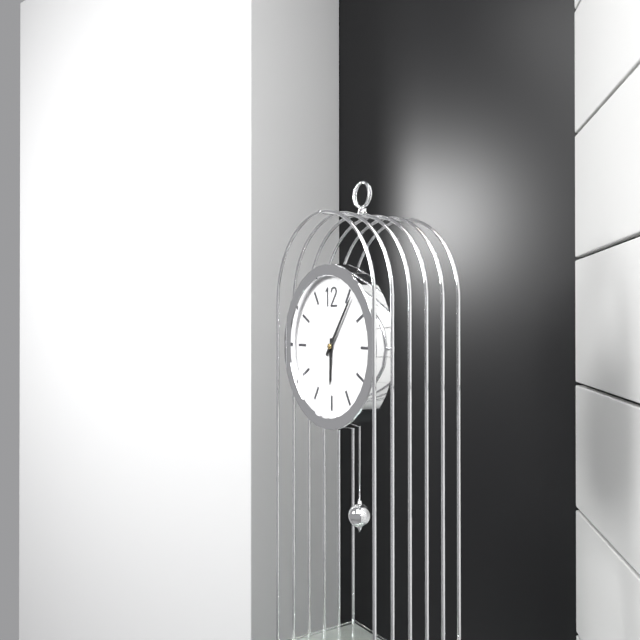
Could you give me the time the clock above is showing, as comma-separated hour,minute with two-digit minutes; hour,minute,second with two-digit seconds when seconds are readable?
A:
6,06
